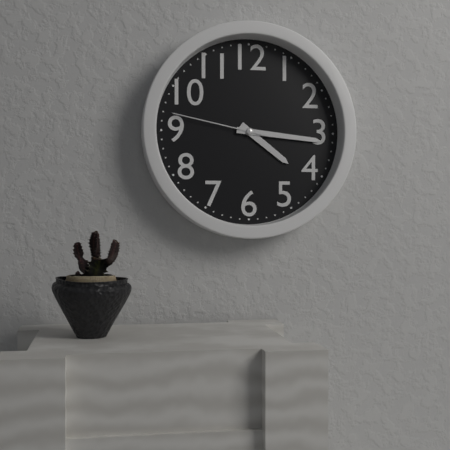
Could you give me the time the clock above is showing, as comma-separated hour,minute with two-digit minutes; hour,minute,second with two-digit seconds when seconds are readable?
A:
4,16,47
